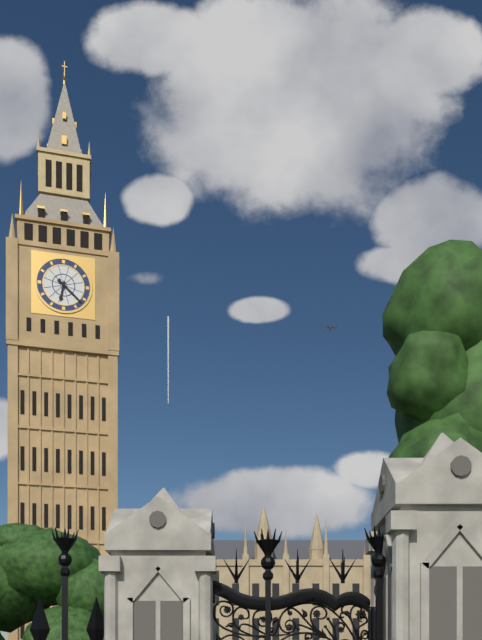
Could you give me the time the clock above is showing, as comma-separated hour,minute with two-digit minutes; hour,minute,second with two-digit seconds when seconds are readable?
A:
6,22
